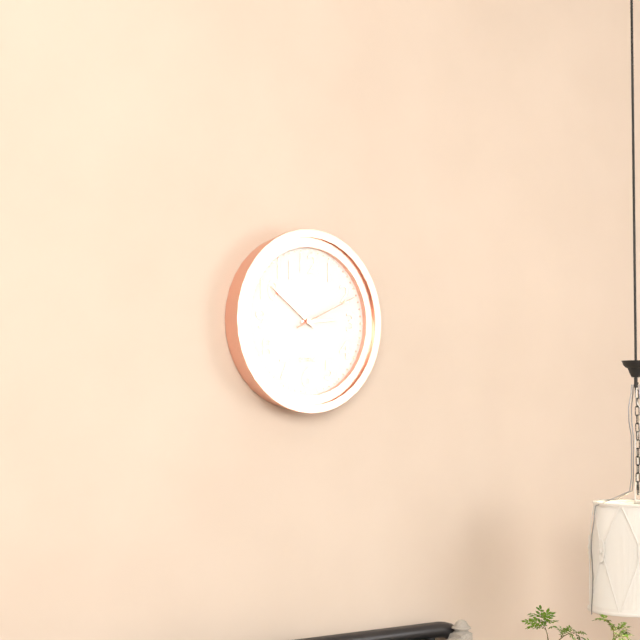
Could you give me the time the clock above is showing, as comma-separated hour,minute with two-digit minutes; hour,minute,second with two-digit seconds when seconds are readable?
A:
2,51,11
